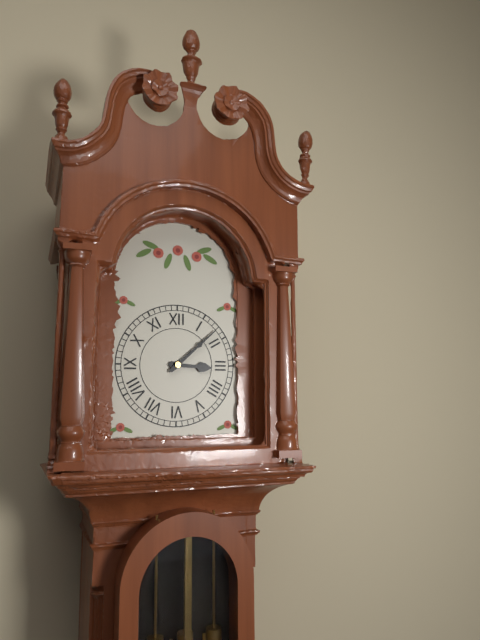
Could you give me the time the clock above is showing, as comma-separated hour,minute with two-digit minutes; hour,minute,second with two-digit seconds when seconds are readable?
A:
3,08
